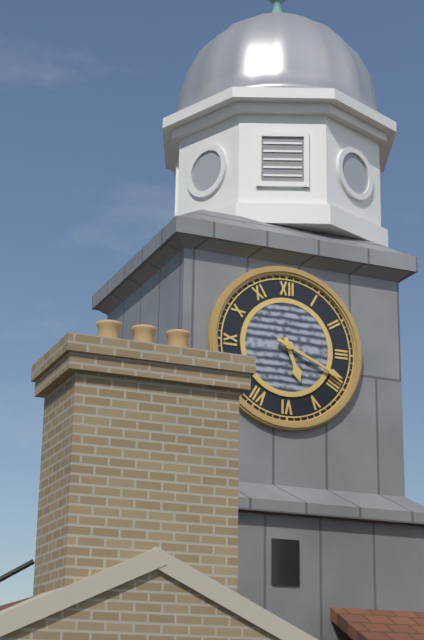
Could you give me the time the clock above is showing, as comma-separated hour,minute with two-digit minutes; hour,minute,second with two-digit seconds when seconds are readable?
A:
5,19
